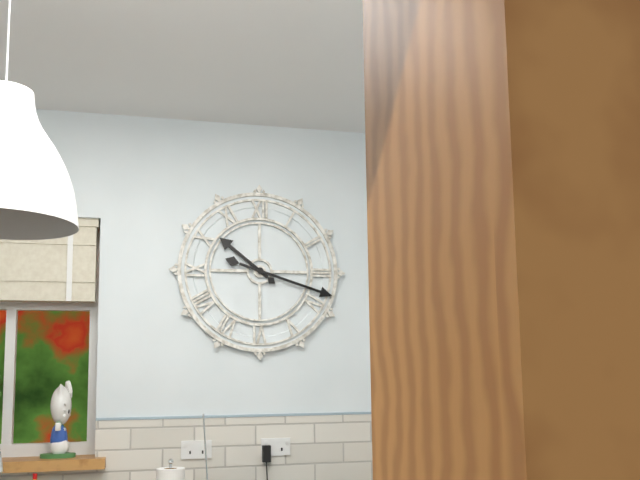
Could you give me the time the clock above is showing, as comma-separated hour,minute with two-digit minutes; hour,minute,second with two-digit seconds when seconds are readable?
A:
10,18
